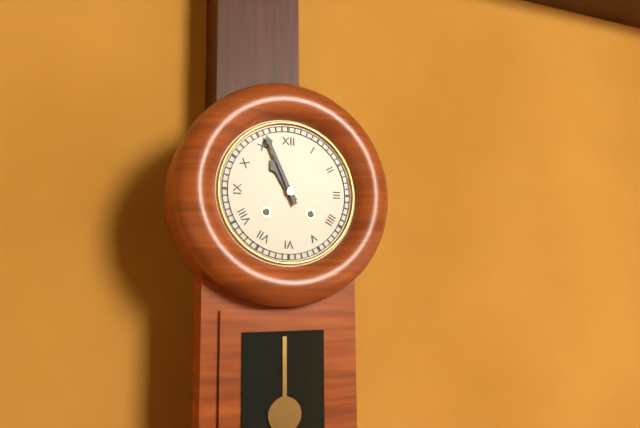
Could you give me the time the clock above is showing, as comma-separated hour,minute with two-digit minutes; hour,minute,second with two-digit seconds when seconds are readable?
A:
10,56
